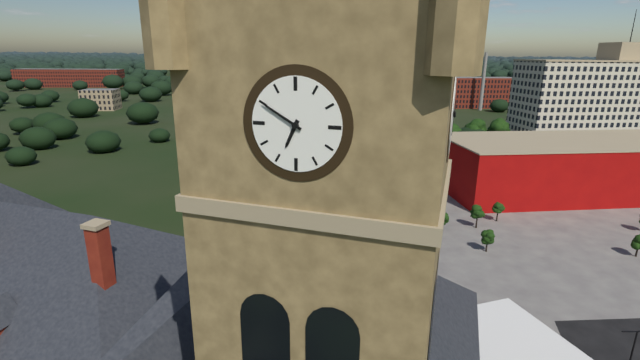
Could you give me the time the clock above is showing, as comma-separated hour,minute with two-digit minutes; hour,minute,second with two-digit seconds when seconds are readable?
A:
6,50
